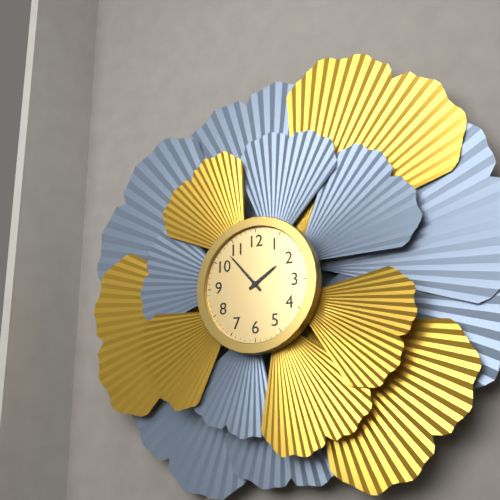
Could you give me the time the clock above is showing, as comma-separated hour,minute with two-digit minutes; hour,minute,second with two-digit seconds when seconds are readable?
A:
1,53
